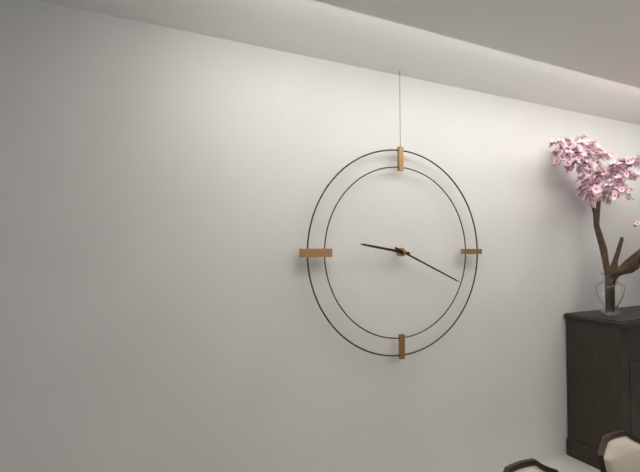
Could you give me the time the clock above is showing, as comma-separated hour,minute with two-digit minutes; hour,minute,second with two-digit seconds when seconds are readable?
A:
9,19
